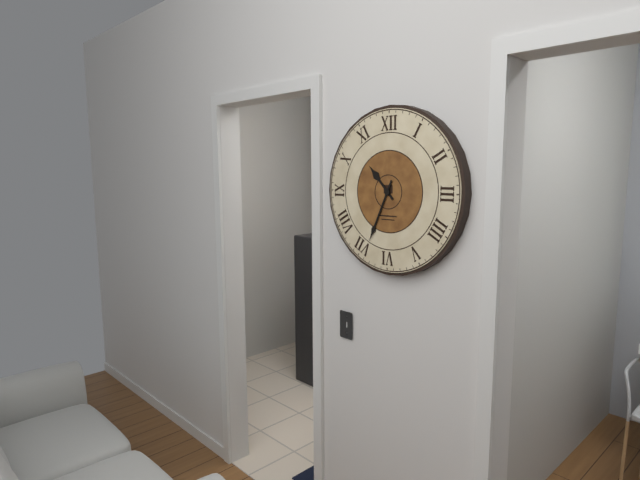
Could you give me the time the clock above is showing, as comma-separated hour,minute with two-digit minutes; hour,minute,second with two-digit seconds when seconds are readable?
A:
10,34
